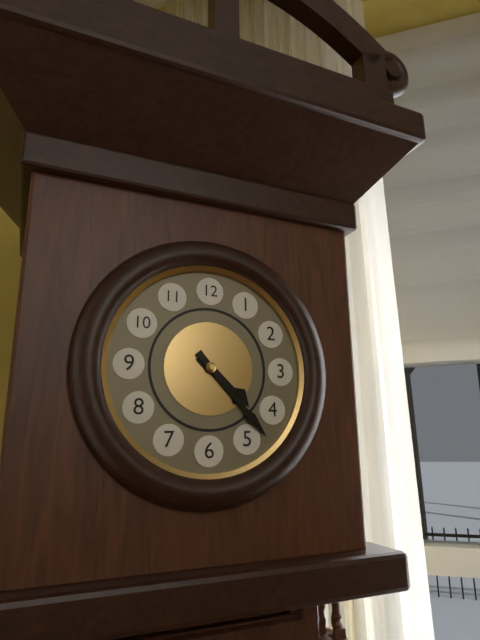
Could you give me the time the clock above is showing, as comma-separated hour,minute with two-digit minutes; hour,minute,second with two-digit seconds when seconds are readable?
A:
4,23
